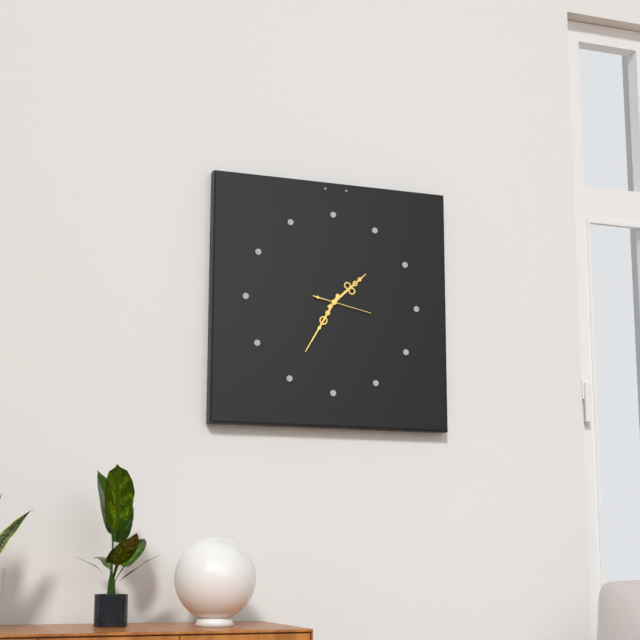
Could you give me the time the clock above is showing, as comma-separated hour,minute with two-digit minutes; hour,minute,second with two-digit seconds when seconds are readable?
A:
1,35
